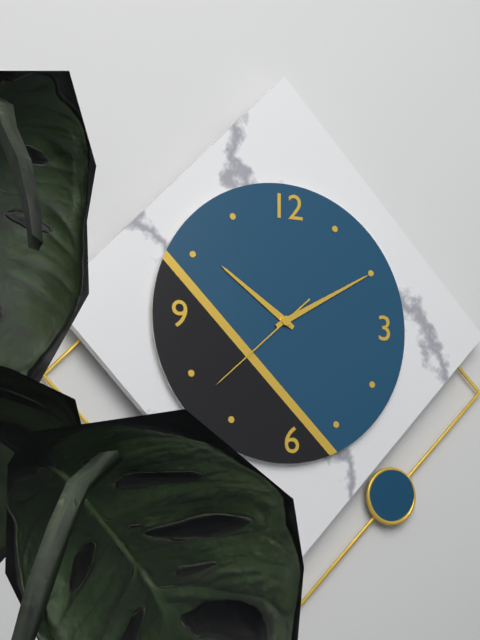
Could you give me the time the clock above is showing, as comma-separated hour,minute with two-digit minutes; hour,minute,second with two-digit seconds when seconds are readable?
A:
10,10,38
